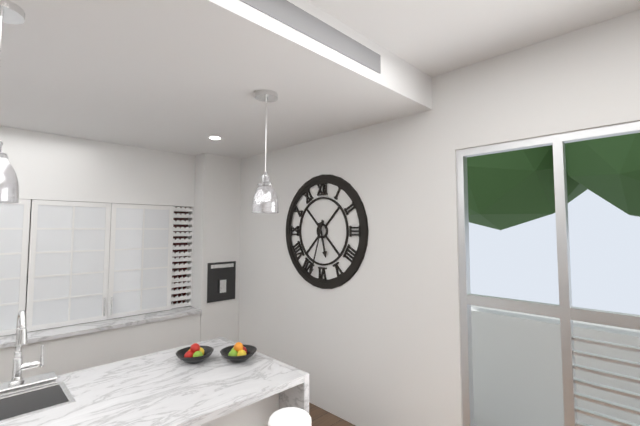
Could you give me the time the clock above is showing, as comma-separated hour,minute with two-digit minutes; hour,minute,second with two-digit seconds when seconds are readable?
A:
5,33
